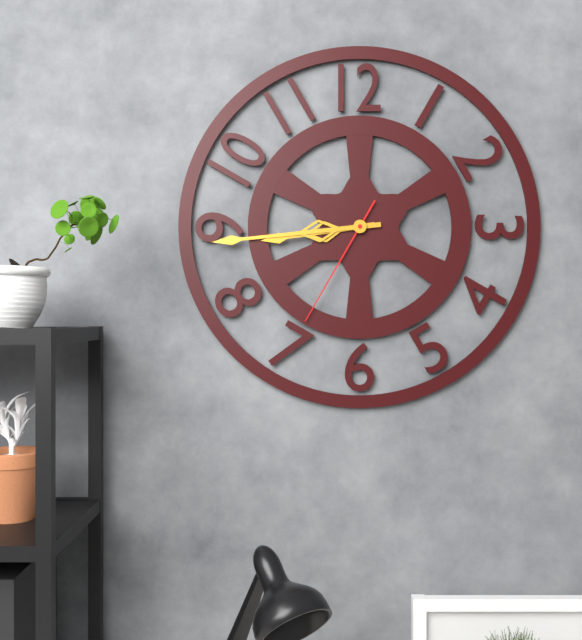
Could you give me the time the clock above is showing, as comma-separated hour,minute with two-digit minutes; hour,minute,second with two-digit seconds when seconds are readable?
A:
8,44,35
